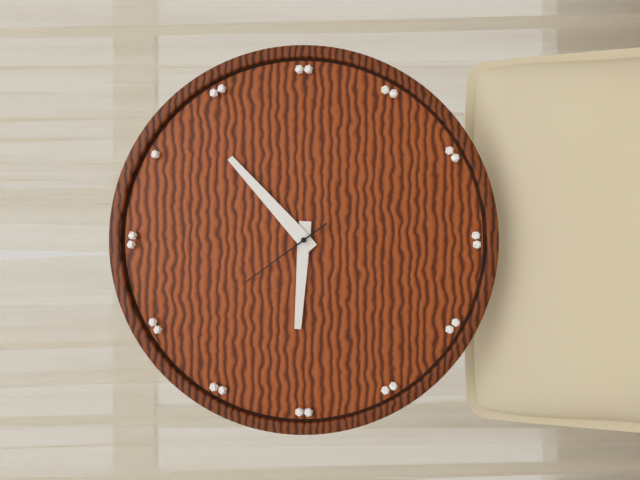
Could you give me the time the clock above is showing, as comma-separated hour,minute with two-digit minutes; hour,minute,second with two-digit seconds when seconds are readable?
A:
9,08,54
